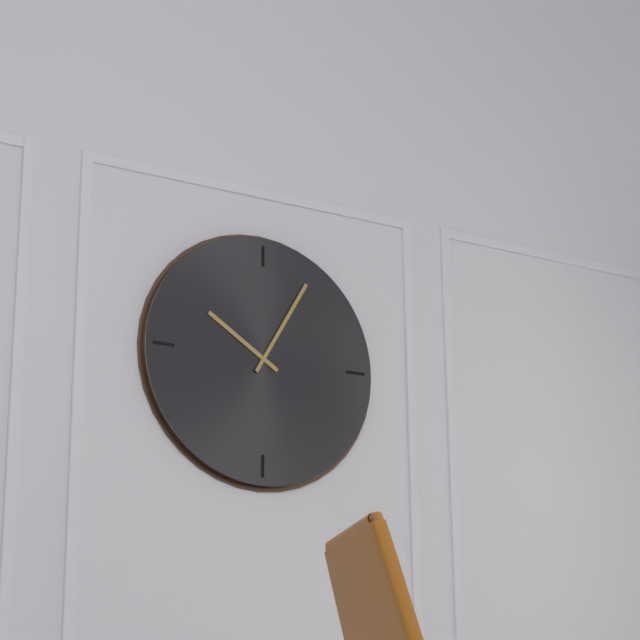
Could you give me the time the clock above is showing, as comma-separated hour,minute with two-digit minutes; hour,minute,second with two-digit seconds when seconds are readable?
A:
10,05
